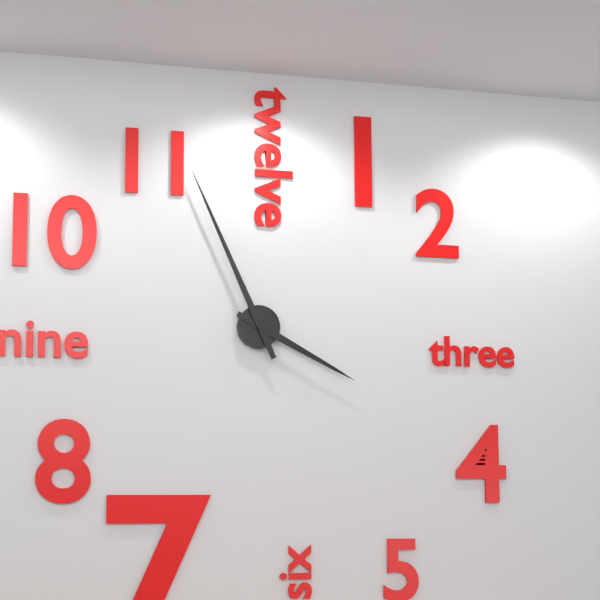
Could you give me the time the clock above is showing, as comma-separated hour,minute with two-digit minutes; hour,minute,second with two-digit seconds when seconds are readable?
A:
3,56
